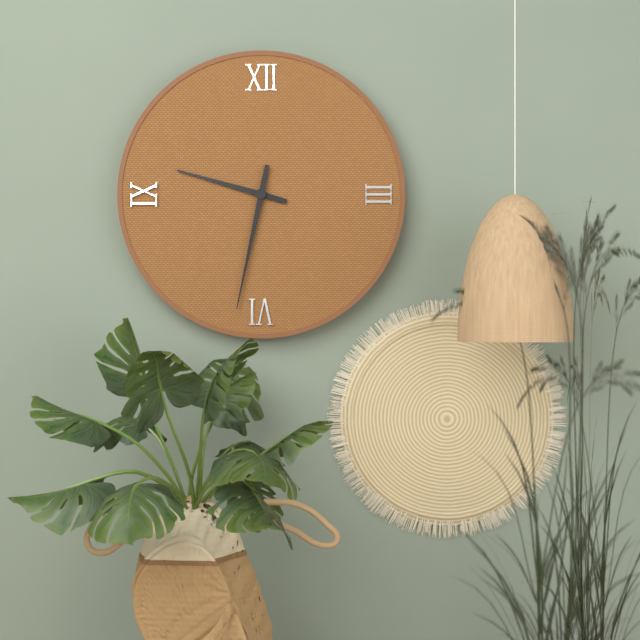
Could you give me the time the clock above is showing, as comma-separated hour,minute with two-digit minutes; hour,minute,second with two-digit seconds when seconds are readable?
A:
9,32
